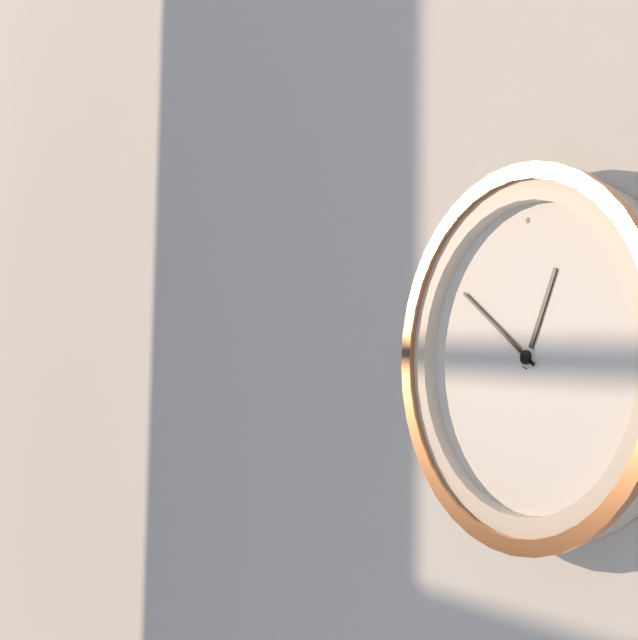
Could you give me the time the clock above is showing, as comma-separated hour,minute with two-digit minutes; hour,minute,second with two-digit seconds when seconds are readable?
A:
12,51
